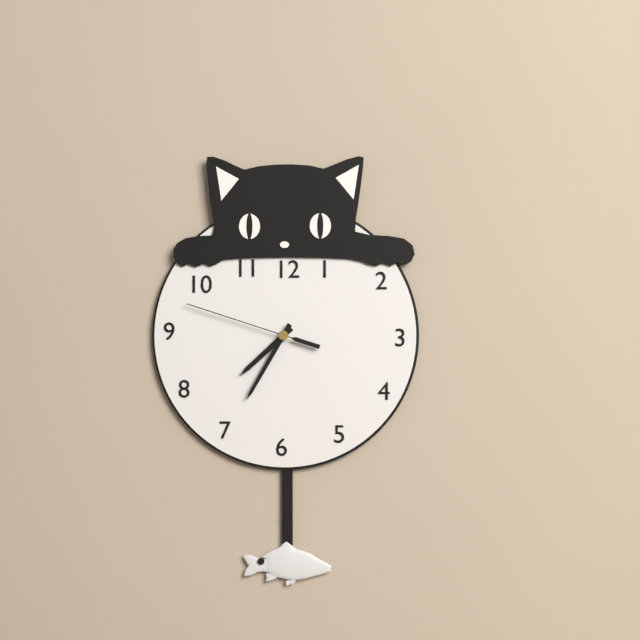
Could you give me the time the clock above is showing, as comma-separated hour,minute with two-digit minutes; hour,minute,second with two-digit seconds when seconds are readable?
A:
7,35,48
